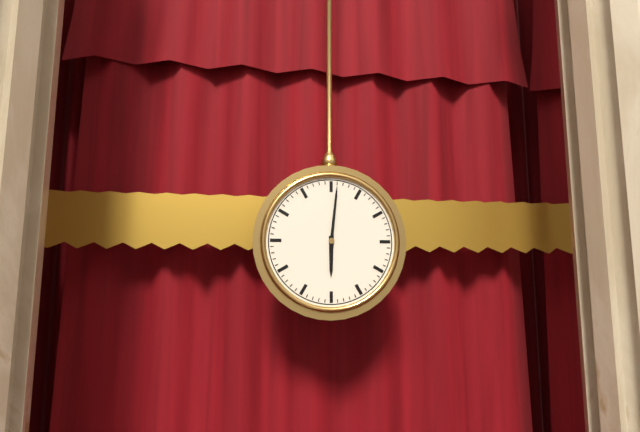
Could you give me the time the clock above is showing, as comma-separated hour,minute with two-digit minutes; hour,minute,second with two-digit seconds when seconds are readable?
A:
6,01
